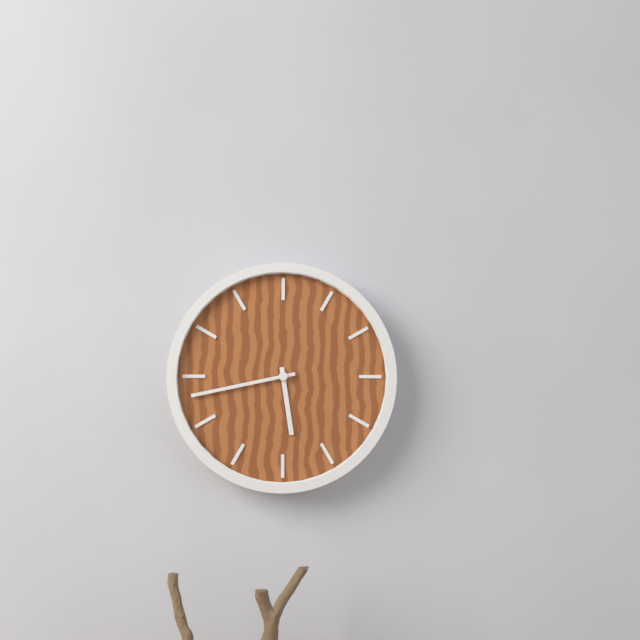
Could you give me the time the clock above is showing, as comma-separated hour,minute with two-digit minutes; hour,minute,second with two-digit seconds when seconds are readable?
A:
5,43
